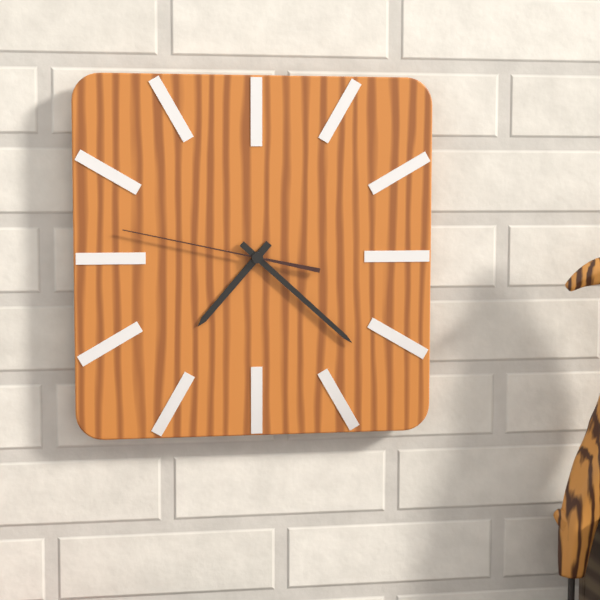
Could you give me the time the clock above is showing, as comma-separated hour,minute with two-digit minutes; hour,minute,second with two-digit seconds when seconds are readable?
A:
7,22,47
